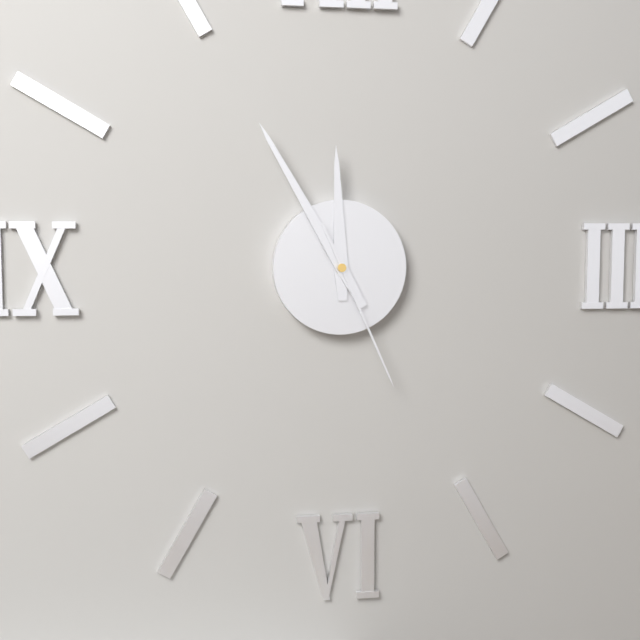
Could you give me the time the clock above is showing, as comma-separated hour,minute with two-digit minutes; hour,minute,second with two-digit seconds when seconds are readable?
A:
11,55,26
